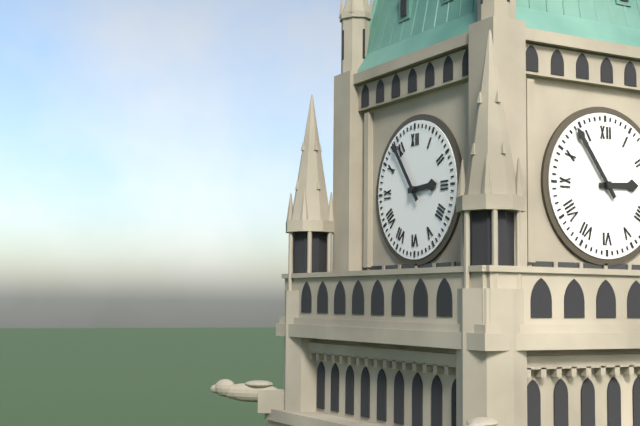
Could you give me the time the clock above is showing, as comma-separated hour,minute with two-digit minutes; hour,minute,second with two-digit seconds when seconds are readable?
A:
2,54
